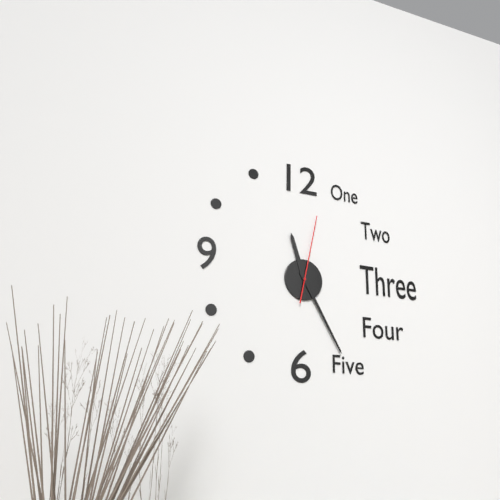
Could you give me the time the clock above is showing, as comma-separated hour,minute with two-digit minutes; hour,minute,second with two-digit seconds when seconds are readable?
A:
11,25,02
